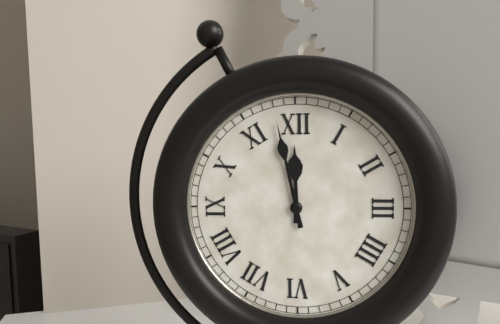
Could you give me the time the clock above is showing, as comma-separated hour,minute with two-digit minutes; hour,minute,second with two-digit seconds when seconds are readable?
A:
11,58
